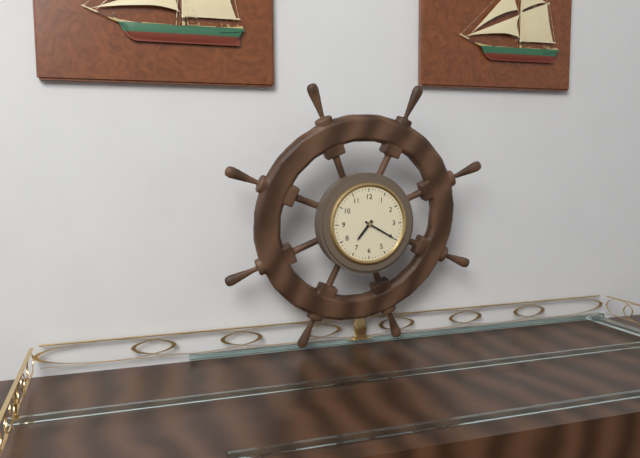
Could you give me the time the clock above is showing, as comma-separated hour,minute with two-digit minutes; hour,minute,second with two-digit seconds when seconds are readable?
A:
7,20
